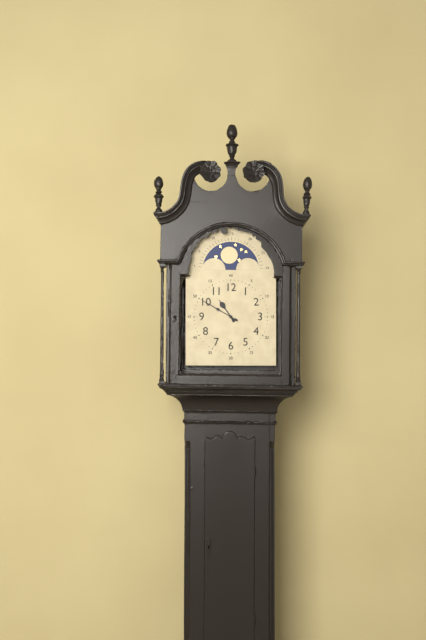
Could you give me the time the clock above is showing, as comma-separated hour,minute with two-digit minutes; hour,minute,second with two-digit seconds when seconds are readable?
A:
10,50
